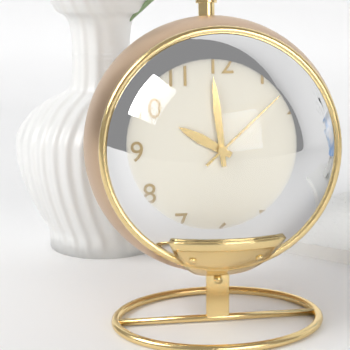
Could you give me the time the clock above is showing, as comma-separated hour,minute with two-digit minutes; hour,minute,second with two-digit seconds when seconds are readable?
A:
9,59,08
